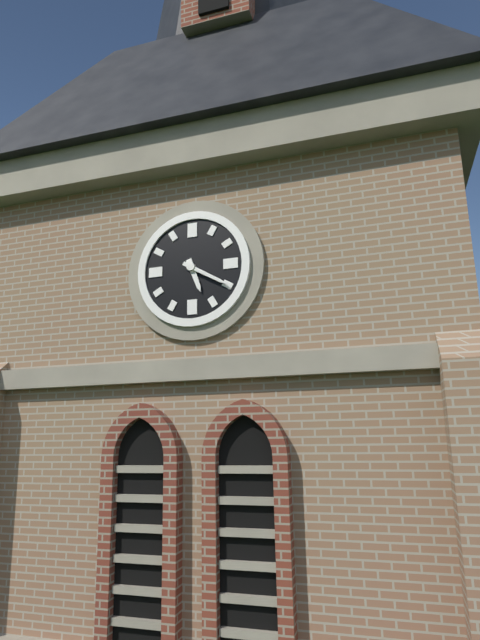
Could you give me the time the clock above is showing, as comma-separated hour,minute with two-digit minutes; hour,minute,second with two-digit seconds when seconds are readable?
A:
5,20
